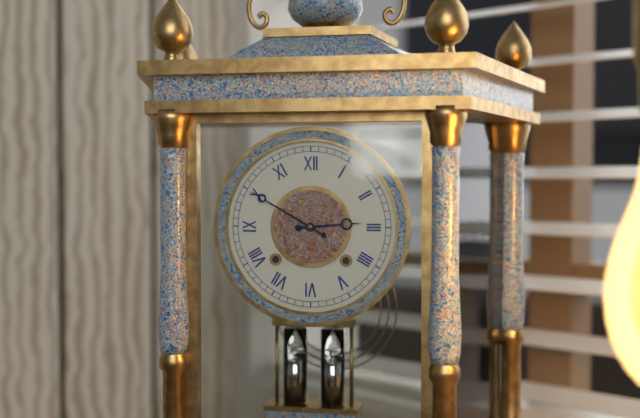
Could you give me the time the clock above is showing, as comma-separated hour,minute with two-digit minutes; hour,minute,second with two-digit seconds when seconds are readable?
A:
2,50
